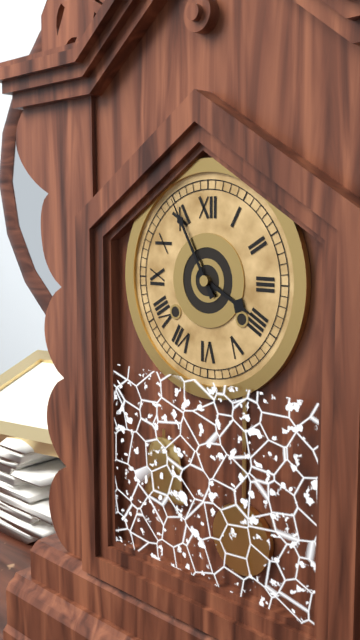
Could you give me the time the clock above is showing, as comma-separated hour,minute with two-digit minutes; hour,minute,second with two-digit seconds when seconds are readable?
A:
3,55
